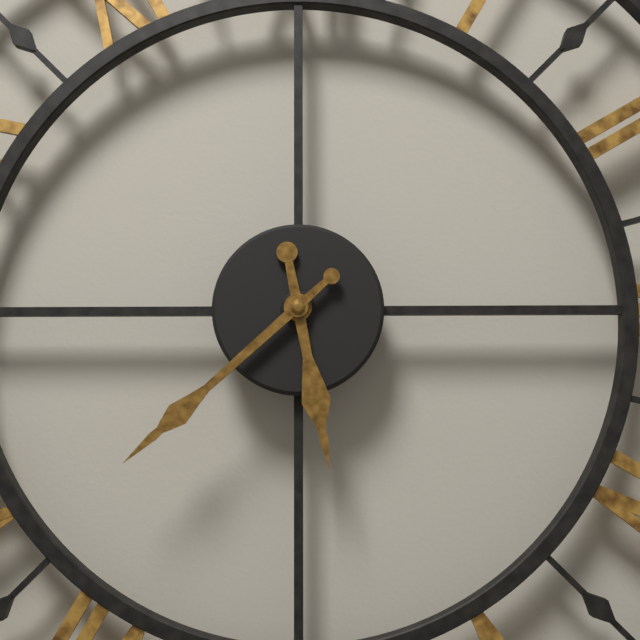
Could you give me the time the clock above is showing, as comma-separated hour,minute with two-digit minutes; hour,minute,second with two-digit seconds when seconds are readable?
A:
5,38
